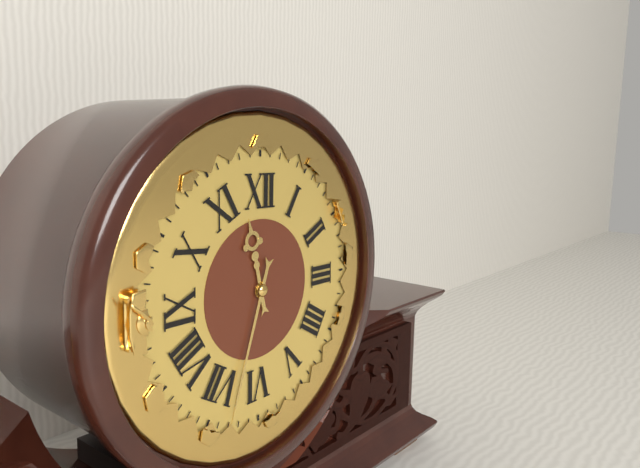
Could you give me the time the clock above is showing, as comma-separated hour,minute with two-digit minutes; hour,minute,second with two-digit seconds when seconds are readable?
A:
11,33
